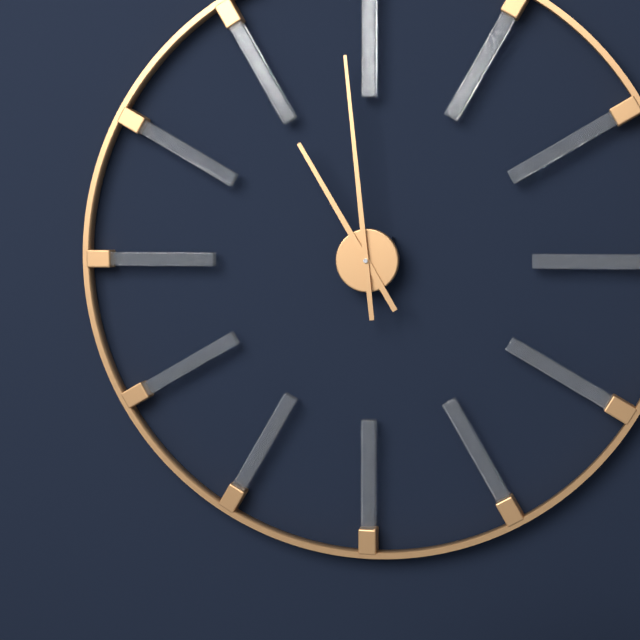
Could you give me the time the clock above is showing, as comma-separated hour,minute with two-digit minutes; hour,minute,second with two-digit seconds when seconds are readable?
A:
10,59
